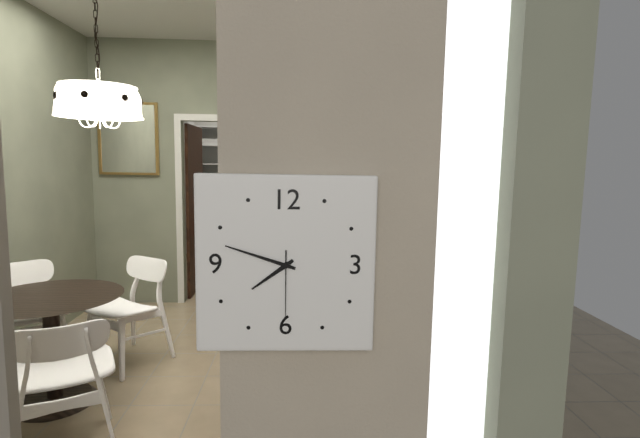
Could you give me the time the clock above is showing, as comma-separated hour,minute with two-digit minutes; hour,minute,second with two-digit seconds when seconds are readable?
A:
7,48,30
